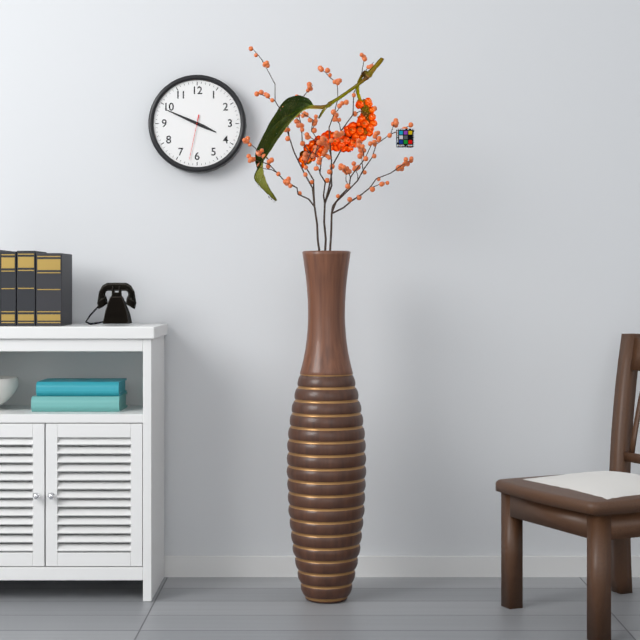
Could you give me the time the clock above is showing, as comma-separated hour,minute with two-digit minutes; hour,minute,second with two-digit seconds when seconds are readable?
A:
3,49
